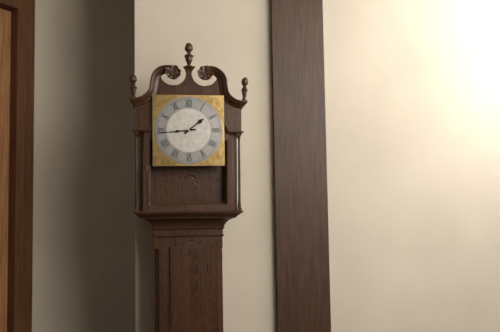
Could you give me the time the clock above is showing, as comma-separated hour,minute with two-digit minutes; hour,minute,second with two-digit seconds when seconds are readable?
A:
1,44
